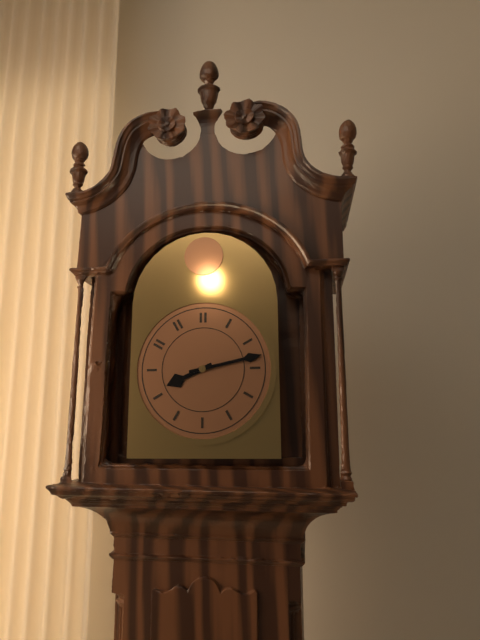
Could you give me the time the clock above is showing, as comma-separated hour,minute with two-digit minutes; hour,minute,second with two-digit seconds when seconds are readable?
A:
8,13
